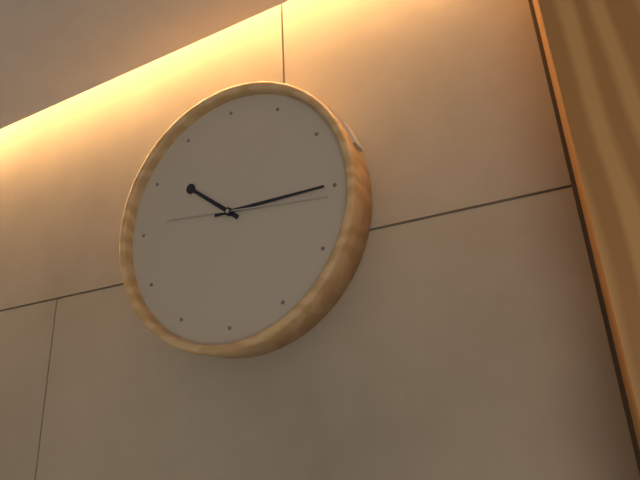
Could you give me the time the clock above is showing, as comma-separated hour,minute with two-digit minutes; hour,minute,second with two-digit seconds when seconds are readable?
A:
10,15,16
